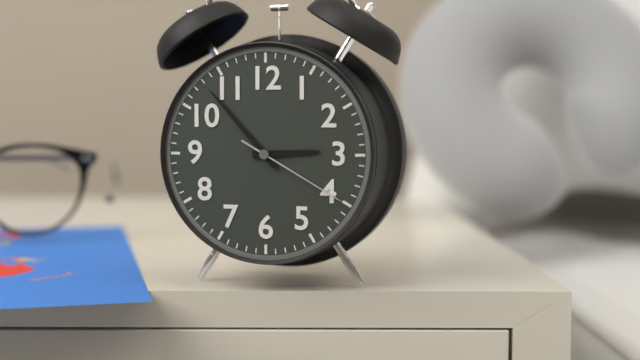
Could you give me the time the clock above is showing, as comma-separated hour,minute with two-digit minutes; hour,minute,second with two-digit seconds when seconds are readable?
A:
2,53,20
